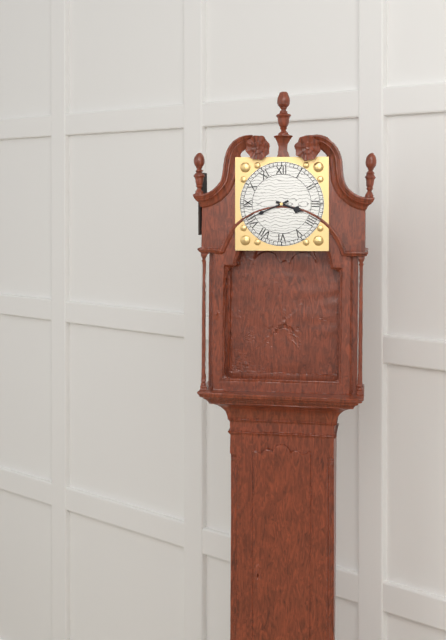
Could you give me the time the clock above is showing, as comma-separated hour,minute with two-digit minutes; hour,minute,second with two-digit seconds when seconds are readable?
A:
3,41
